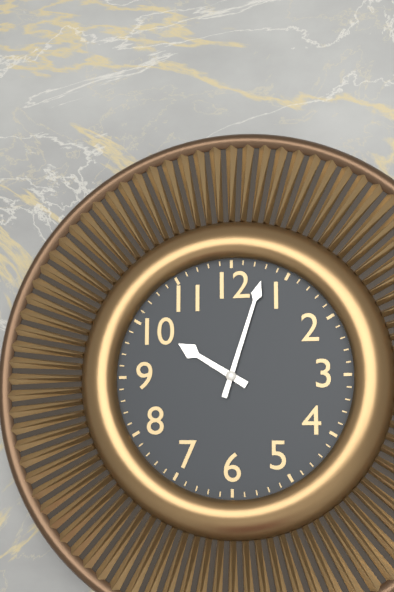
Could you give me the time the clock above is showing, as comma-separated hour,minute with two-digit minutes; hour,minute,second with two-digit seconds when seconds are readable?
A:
10,03
